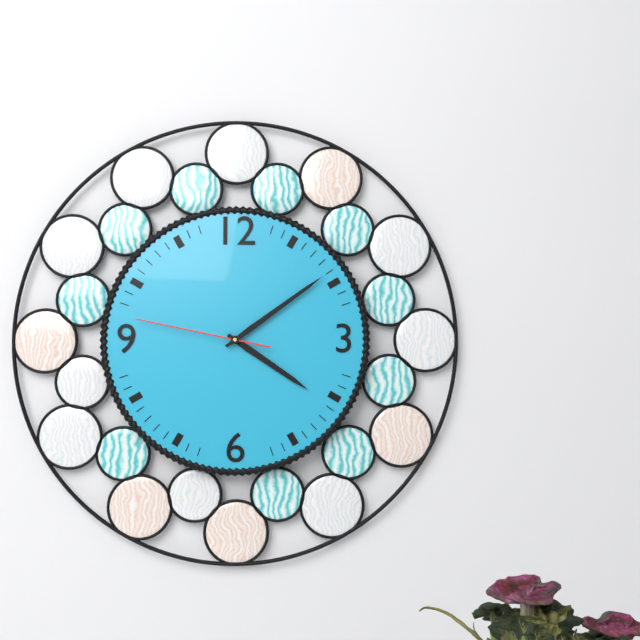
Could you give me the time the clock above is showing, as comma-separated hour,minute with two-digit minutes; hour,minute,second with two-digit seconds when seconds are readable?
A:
4,09,47
